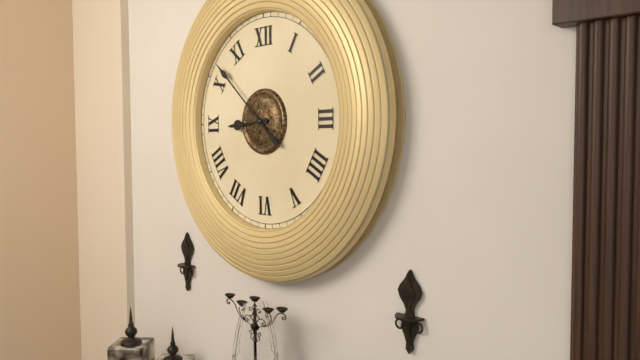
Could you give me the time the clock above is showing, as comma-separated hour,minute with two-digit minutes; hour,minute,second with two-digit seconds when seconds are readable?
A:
8,52
